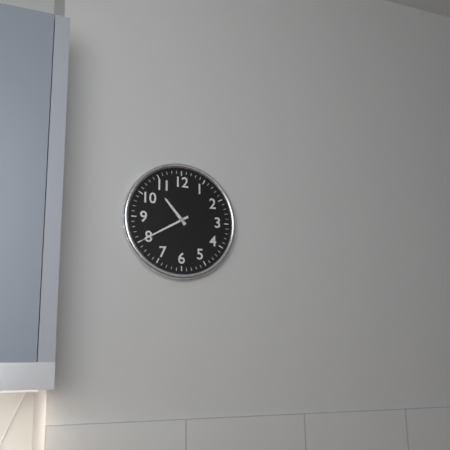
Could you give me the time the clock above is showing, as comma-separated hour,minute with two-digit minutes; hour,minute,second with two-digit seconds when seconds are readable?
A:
10,40
